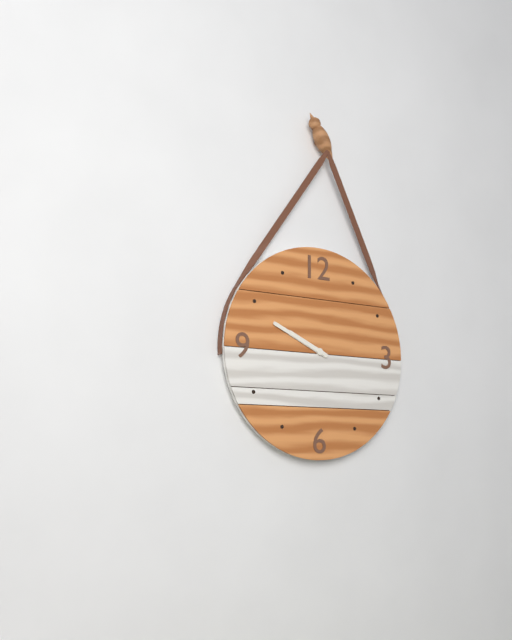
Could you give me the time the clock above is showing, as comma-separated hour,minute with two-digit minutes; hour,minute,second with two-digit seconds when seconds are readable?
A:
9,49
